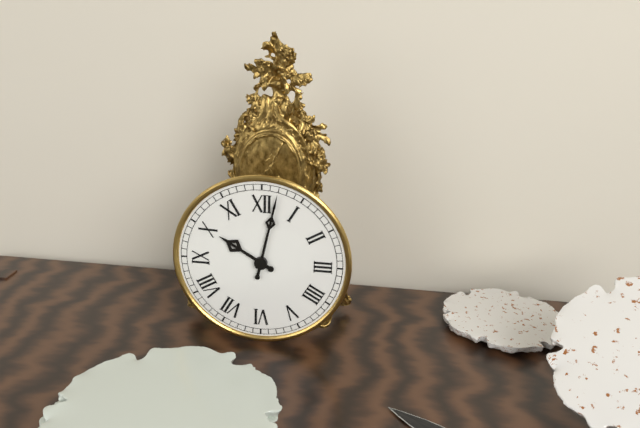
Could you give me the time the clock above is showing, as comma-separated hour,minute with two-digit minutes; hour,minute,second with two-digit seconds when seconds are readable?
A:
10,02
